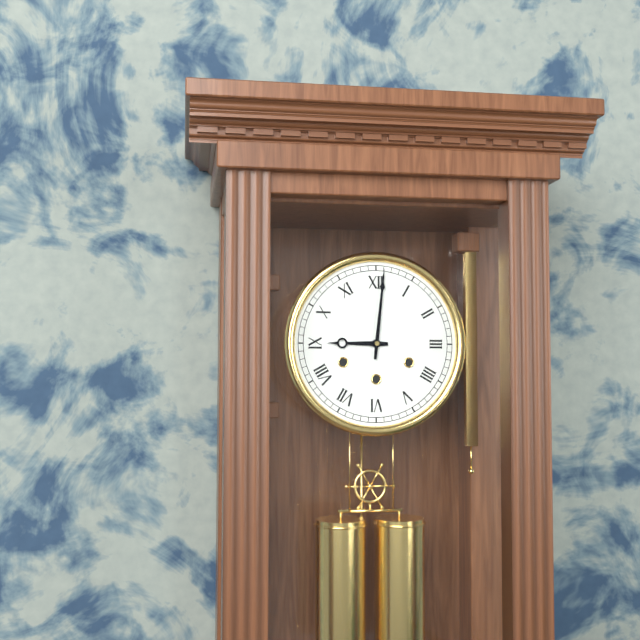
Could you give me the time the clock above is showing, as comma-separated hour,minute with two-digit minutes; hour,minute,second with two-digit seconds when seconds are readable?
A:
9,01
